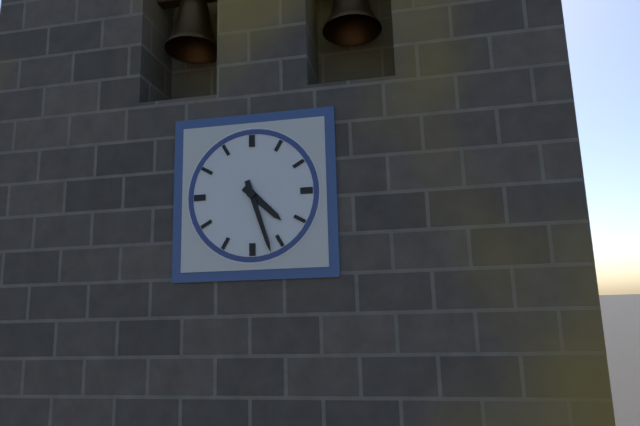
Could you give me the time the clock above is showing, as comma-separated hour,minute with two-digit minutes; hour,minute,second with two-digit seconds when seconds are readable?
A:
4,27
